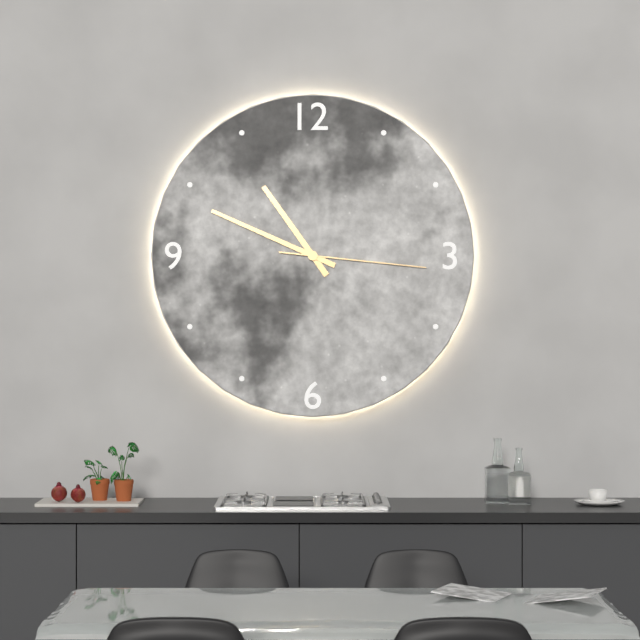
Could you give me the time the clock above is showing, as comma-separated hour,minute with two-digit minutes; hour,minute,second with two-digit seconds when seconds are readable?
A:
10,49,16
